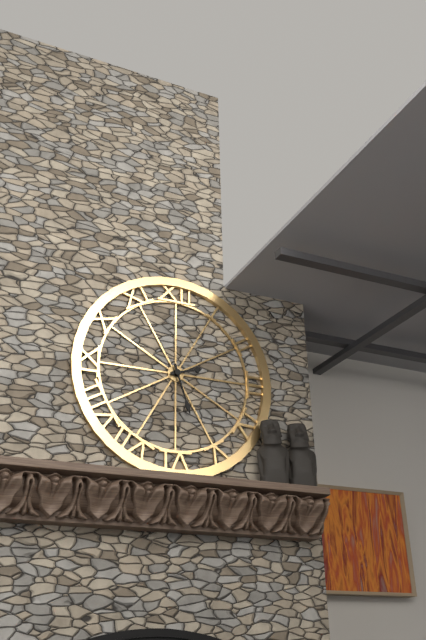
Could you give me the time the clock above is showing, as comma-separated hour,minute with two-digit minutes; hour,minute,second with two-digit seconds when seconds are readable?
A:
2,27
